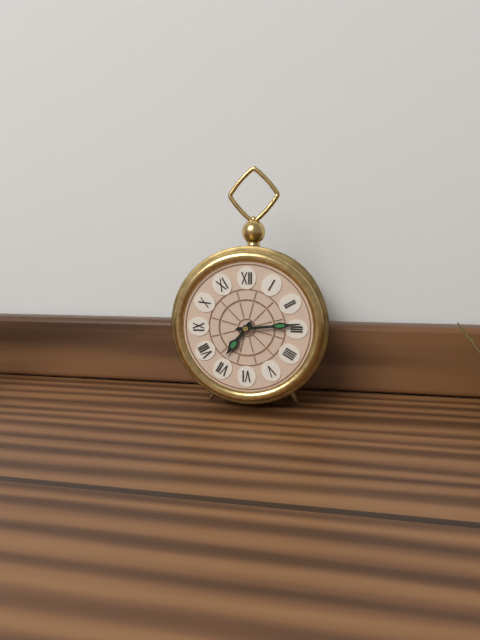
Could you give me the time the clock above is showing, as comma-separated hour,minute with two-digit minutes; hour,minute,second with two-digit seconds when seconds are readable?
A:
7,14
